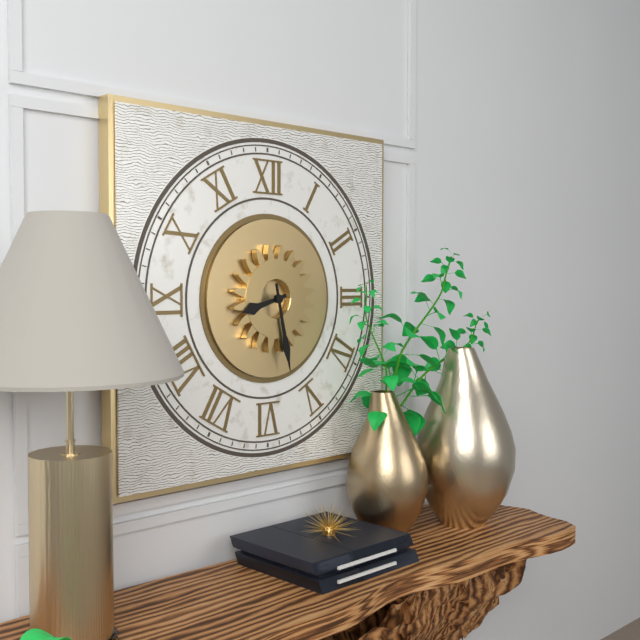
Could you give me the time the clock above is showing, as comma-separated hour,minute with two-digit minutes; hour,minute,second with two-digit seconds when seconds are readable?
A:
8,28
